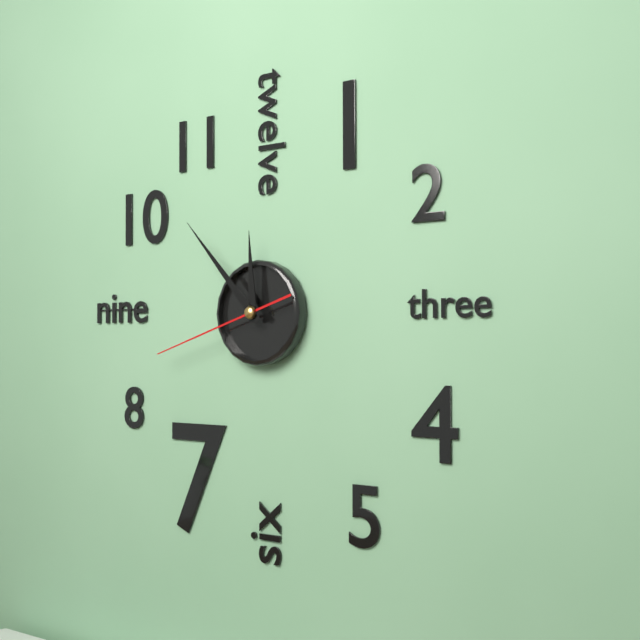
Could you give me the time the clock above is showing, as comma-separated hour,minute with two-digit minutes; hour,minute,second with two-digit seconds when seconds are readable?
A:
11,53,42
